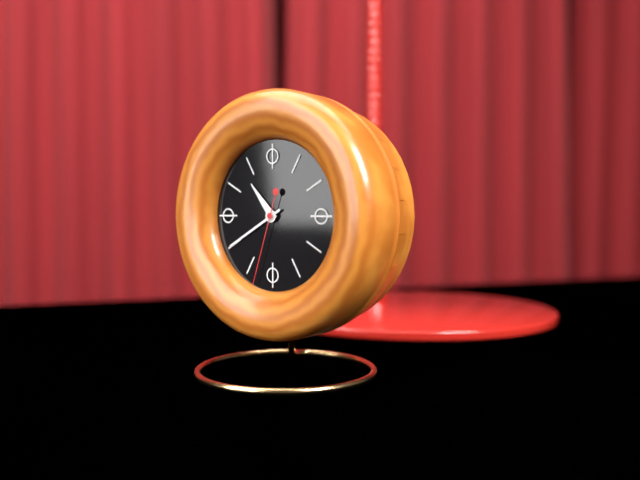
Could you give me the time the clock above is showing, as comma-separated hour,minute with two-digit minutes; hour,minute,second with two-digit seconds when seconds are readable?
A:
10,40,33
